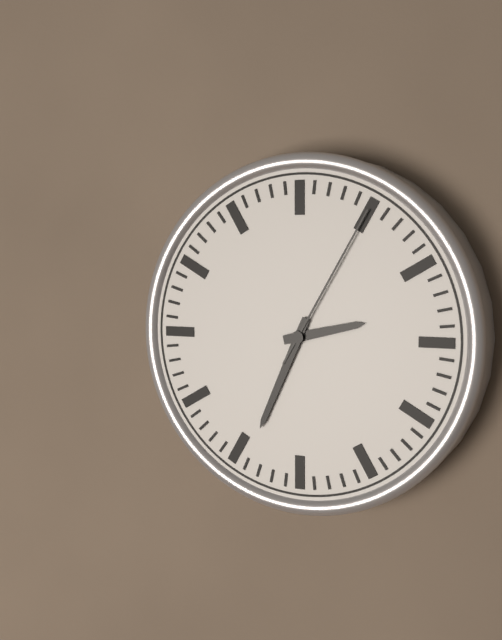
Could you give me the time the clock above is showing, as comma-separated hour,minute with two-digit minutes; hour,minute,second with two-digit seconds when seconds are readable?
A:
2,34,05
